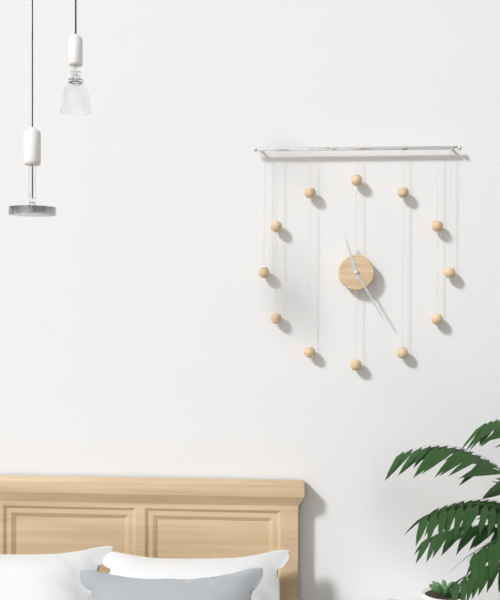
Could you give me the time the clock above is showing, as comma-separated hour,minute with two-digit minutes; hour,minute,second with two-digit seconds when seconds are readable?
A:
11,25
